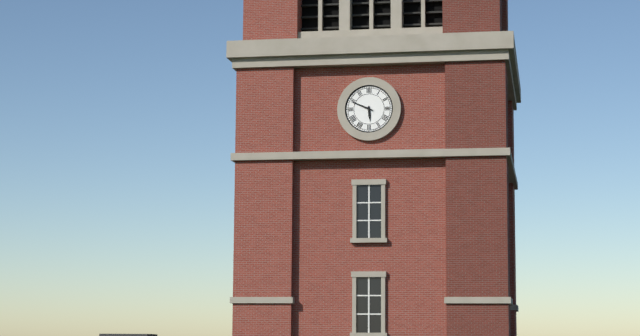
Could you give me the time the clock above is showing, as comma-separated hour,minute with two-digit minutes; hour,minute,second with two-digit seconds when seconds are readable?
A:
5,49
